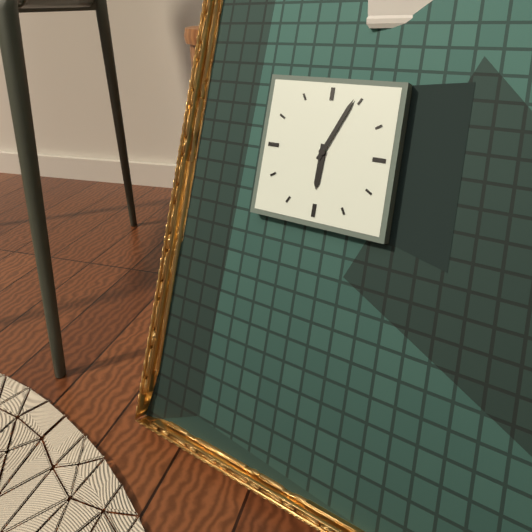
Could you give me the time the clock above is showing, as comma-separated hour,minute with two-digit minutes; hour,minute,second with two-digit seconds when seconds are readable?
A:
6,04
